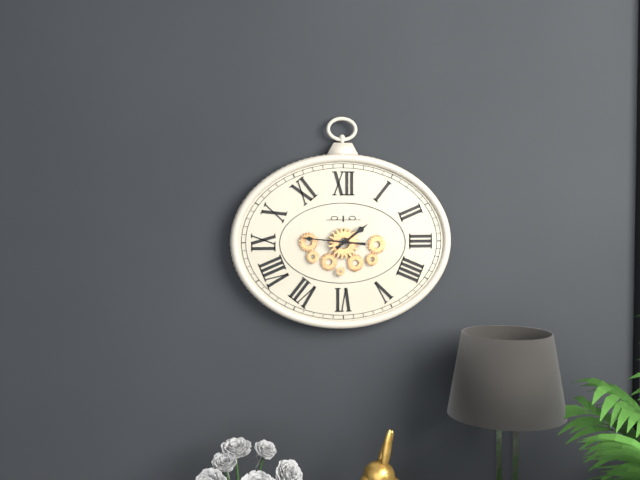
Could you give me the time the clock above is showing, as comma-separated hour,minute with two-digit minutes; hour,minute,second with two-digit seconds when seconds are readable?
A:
1,46
